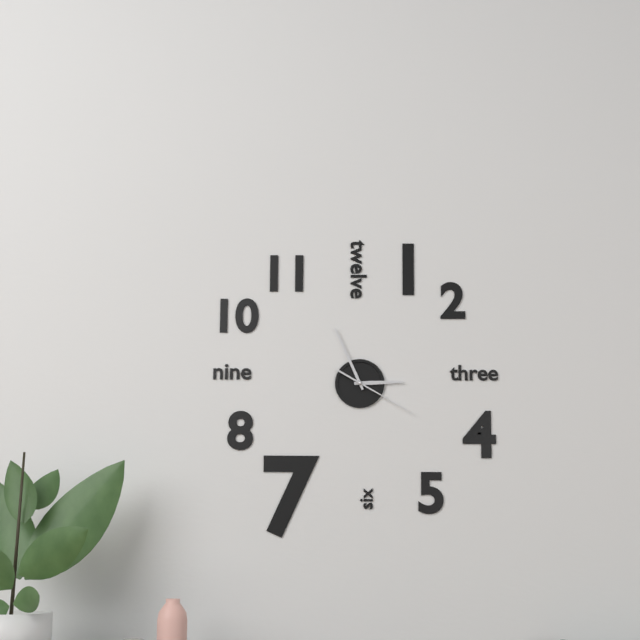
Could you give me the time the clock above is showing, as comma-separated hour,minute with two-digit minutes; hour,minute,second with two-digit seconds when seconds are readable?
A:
2,56,20
